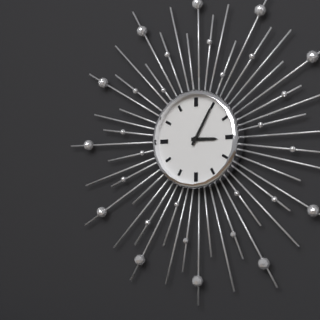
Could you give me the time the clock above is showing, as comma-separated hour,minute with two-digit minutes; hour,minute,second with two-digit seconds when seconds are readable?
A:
3,05
